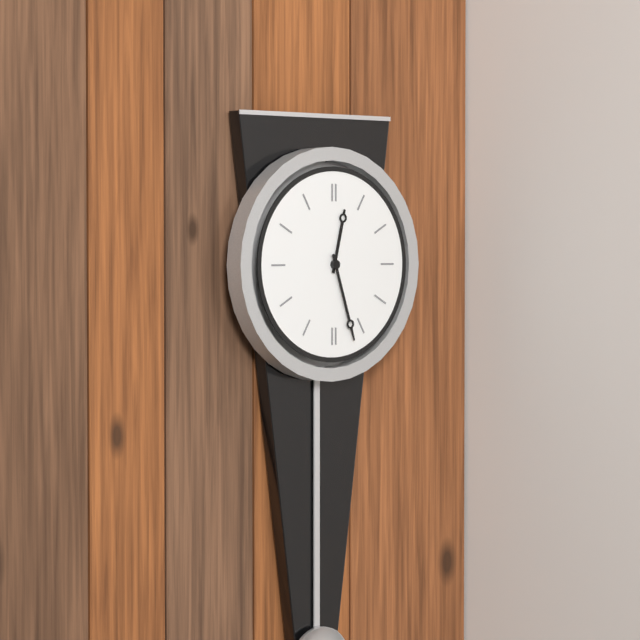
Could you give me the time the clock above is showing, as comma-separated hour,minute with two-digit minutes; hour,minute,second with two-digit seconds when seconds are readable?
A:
12,27
